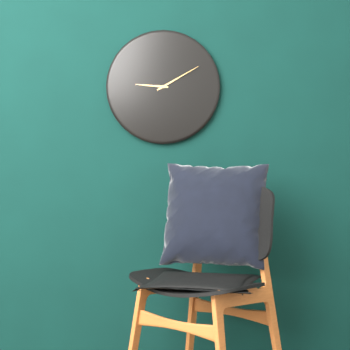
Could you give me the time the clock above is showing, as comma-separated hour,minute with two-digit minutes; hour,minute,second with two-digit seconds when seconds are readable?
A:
9,10
